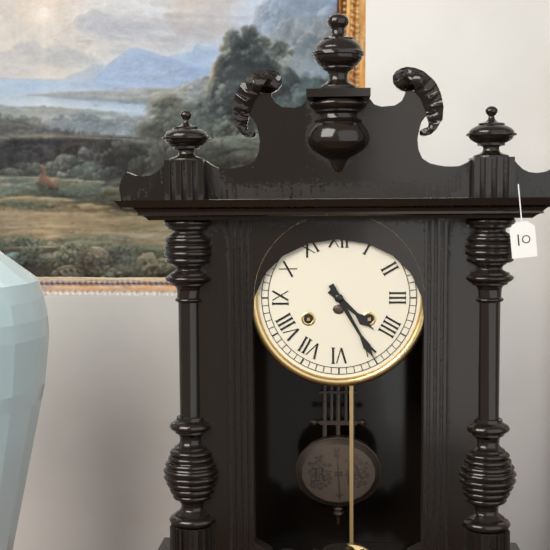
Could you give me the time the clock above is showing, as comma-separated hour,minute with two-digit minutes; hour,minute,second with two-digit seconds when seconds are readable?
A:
4,25
